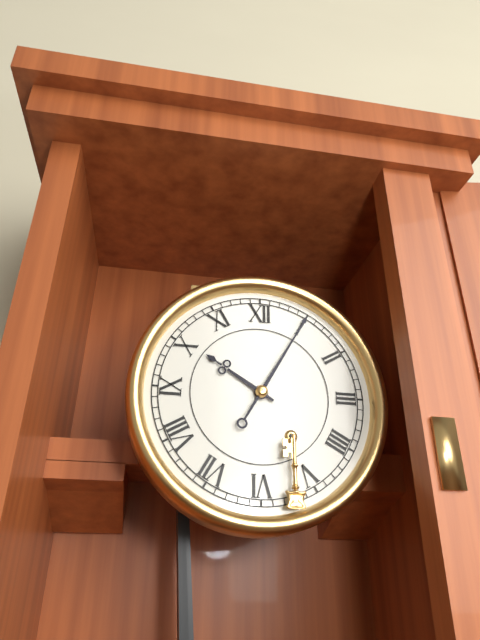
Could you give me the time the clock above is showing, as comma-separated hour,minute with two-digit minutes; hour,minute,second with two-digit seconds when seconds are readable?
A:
10,05
